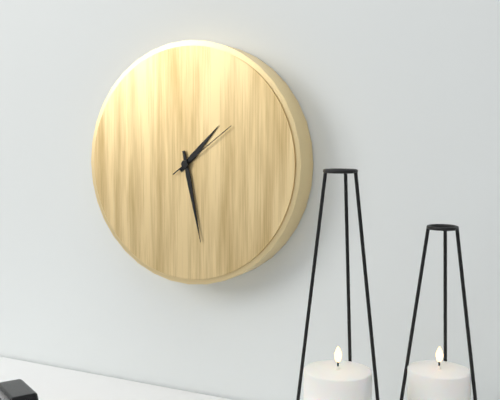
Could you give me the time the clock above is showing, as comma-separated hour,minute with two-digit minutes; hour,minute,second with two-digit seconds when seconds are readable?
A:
1,28,09
